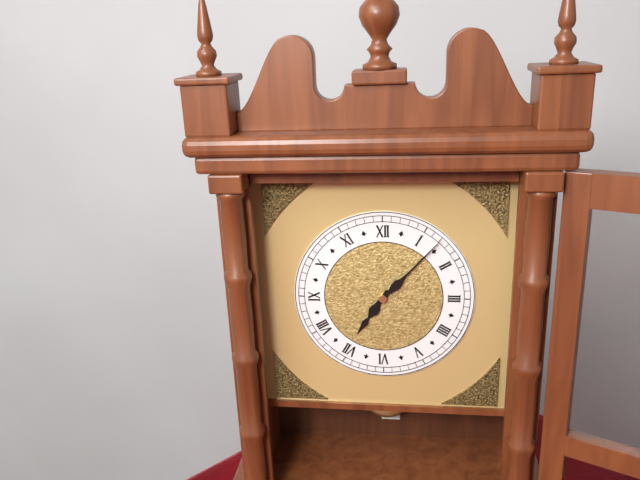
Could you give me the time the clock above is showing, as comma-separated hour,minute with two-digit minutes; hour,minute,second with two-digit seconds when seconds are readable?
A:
7,07
